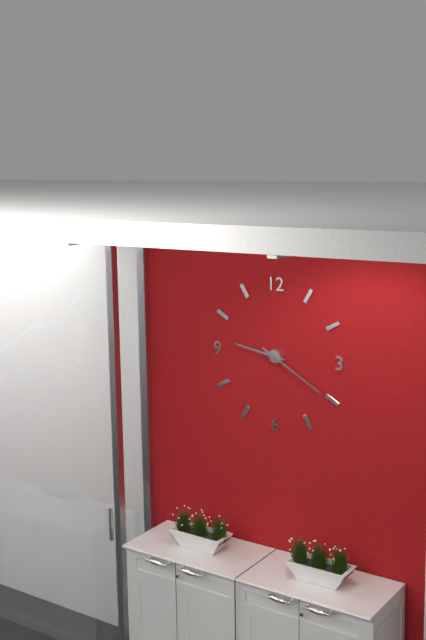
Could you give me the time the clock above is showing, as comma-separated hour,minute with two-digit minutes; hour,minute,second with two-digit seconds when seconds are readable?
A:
9,20
